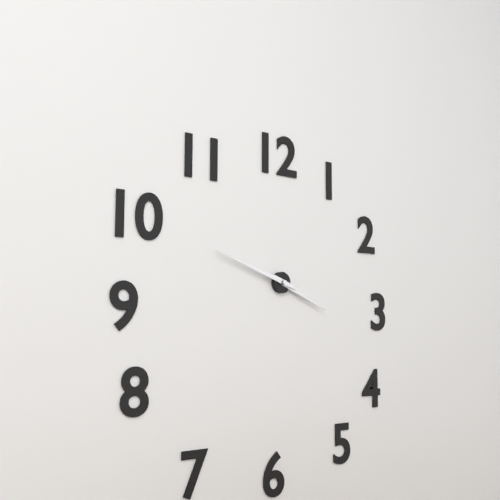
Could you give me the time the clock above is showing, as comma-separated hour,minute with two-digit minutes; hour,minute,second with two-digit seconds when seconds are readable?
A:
3,48
